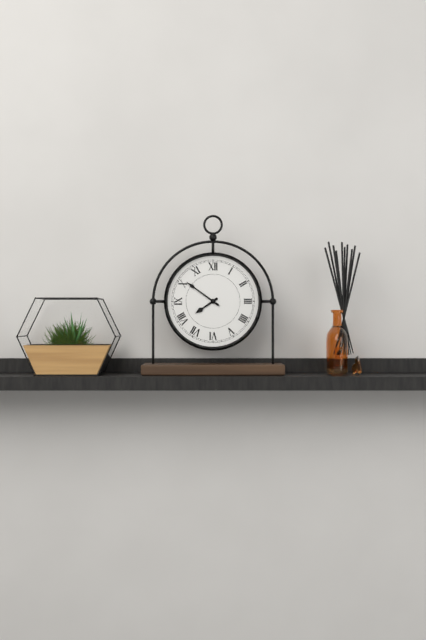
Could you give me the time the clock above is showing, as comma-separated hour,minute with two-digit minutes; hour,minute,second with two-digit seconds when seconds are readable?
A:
7,51
